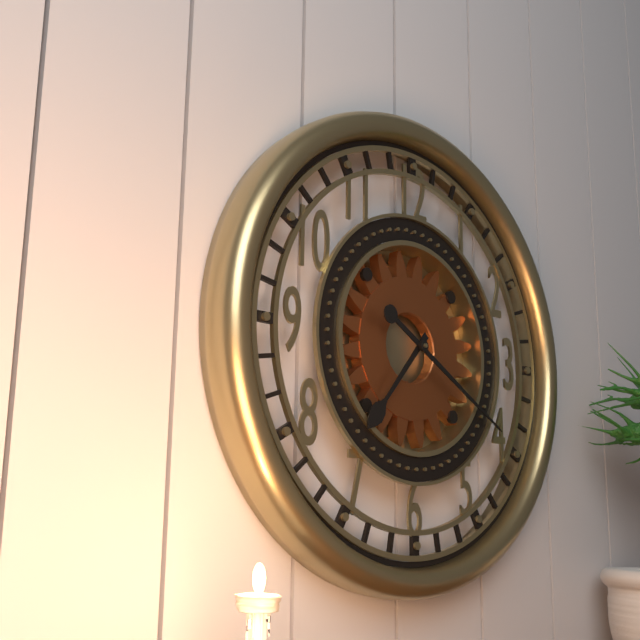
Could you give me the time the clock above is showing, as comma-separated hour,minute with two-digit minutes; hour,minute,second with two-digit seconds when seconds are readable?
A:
7,20
